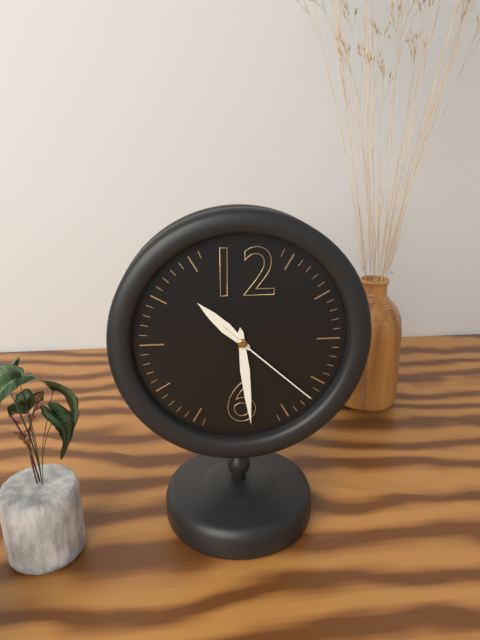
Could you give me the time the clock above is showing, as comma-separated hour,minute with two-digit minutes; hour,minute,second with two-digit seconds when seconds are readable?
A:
10,29,22
